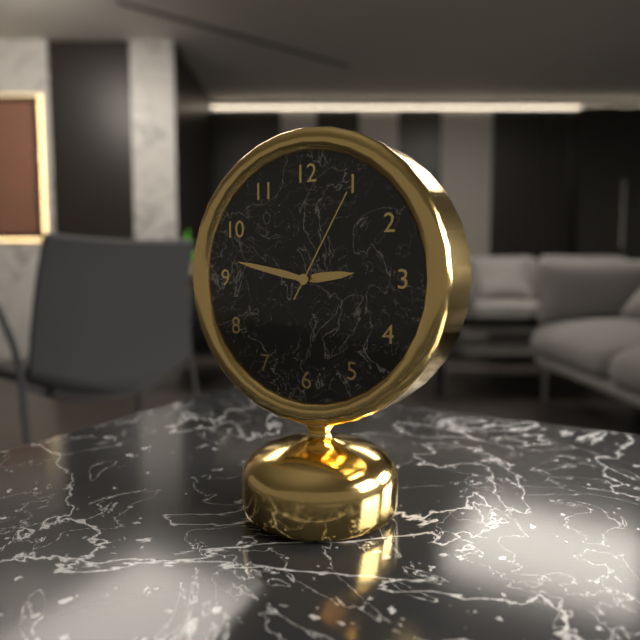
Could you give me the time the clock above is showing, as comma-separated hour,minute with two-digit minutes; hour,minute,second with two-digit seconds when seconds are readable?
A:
2,47,05
